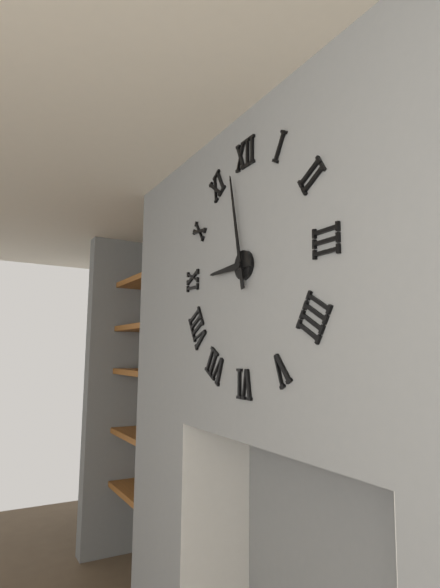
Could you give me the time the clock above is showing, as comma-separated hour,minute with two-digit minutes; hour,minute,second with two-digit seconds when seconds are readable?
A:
8,58
